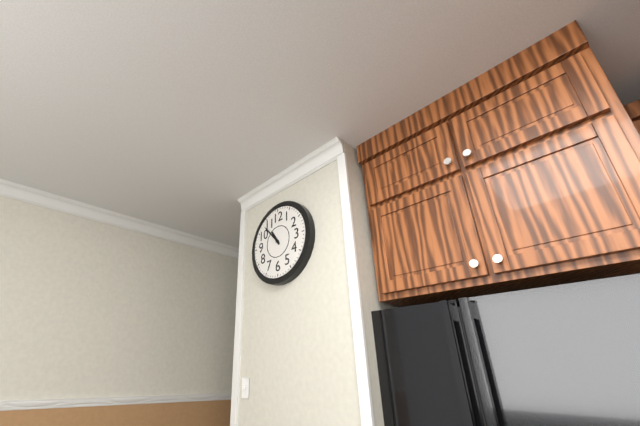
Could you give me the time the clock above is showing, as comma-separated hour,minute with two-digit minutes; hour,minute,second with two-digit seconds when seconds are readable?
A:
10,53
